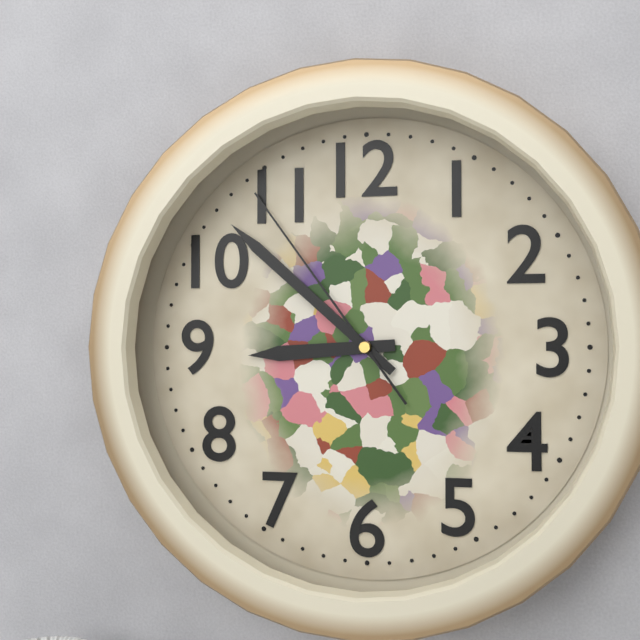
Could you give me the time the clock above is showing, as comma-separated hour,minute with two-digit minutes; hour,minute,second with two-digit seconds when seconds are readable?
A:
8,52,54
